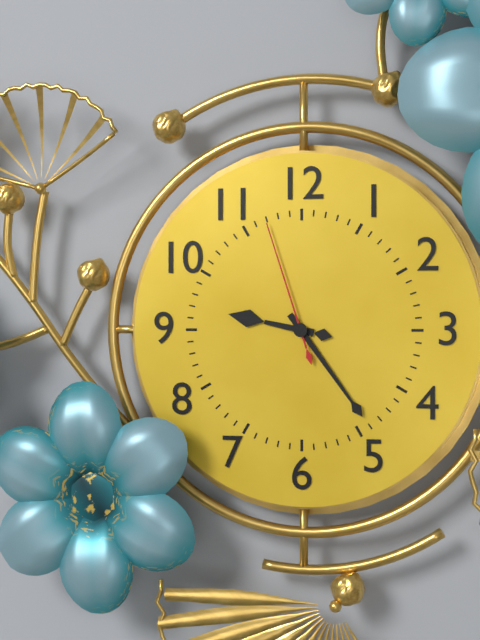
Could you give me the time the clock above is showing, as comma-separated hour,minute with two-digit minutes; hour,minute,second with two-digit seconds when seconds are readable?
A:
9,24,57
